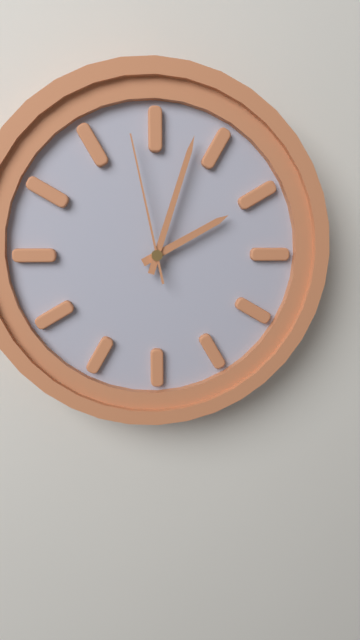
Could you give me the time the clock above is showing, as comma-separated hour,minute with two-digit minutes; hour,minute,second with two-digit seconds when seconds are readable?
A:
2,03,58
